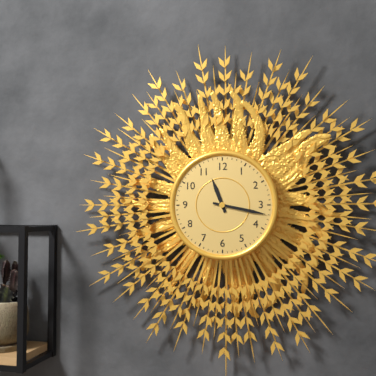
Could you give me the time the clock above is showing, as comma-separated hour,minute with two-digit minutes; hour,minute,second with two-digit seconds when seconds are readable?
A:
11,17
